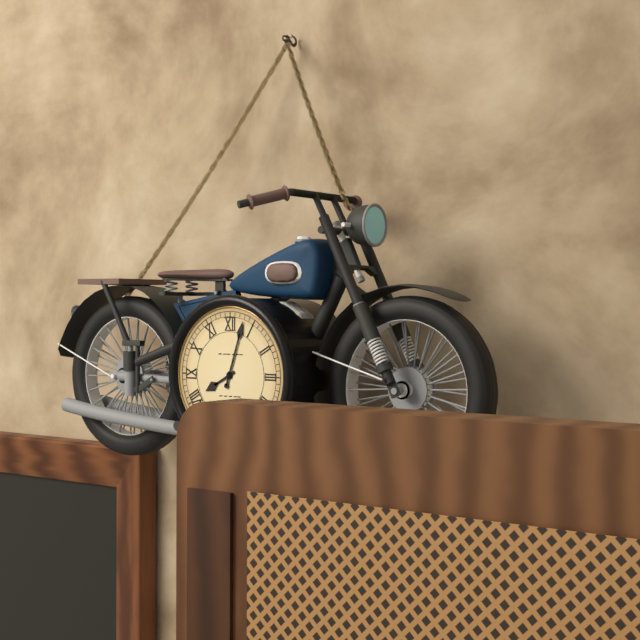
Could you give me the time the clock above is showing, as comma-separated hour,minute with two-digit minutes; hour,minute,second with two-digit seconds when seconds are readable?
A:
8,03
